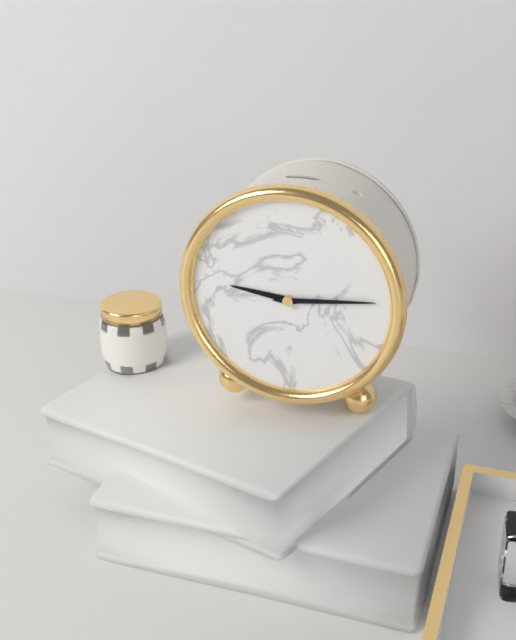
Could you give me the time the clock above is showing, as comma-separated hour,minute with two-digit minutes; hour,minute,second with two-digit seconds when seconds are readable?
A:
9,14
